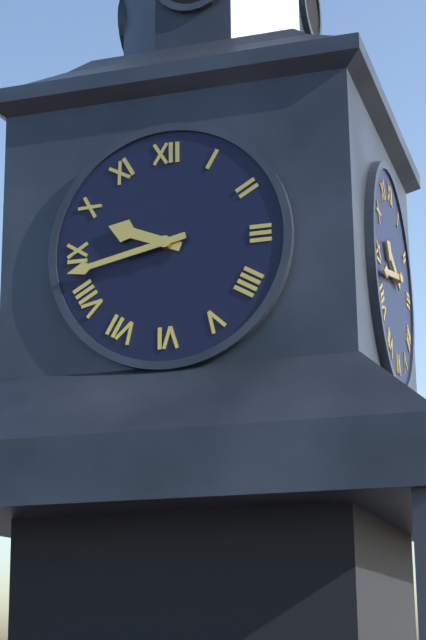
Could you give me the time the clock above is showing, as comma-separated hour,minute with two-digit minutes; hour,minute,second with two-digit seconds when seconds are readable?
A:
9,43
